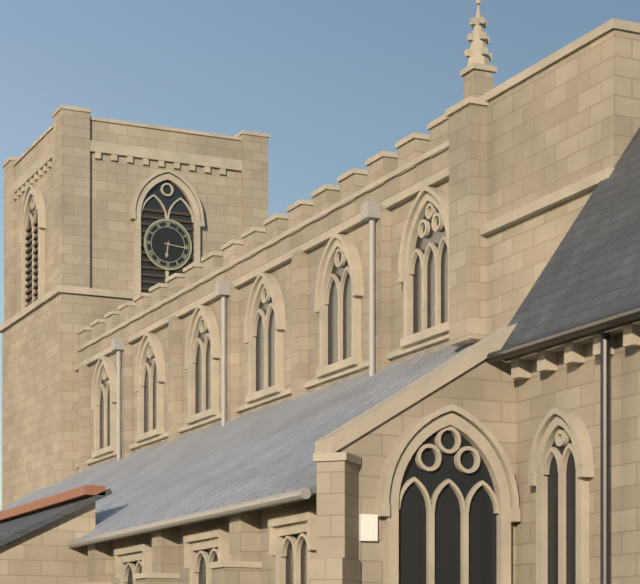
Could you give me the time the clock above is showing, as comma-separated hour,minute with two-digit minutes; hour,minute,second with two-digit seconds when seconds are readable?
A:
6,16
